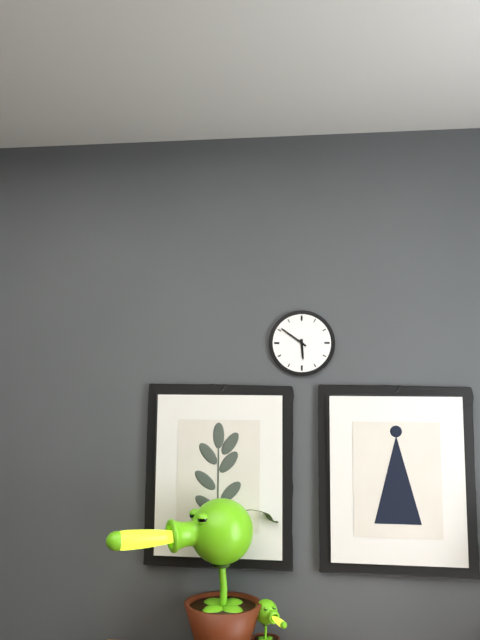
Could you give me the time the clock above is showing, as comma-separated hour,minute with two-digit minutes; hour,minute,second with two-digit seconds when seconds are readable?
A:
5,51
